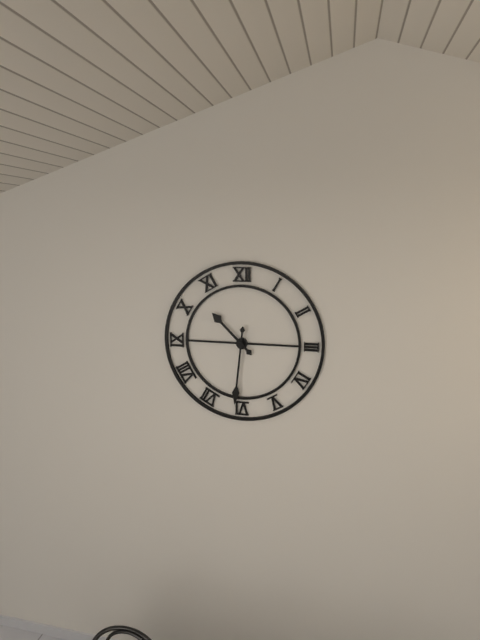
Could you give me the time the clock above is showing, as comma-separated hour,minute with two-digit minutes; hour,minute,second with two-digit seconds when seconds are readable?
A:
10,31
